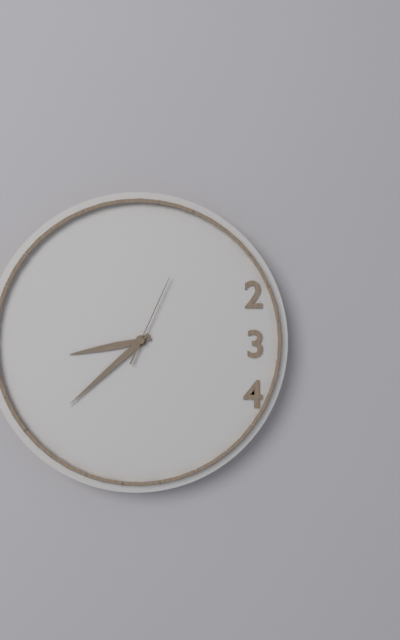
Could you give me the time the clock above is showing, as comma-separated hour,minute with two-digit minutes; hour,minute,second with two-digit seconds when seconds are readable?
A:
8,38,04
